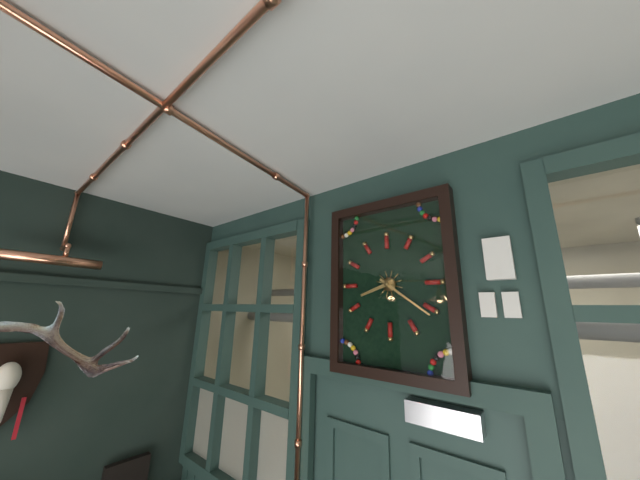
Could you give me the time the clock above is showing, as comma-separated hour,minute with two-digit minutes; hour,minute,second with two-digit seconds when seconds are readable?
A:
8,21
